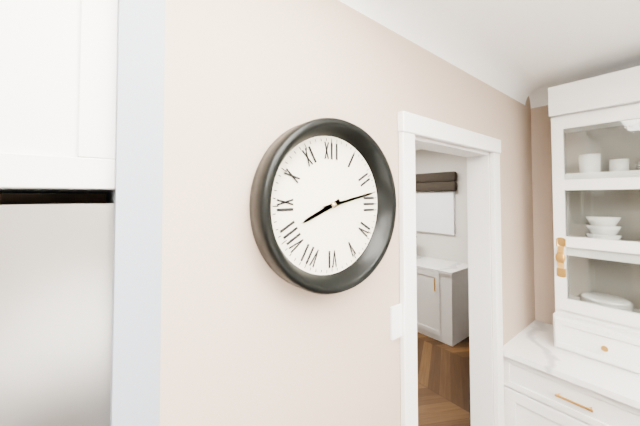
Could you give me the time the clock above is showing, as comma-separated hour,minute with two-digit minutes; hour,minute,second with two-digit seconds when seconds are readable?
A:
8,13
